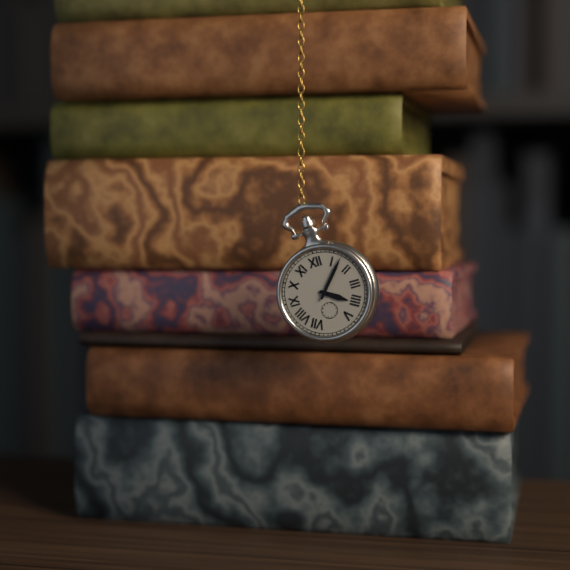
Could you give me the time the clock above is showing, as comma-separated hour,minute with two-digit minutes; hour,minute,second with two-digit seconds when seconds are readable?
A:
4,07
